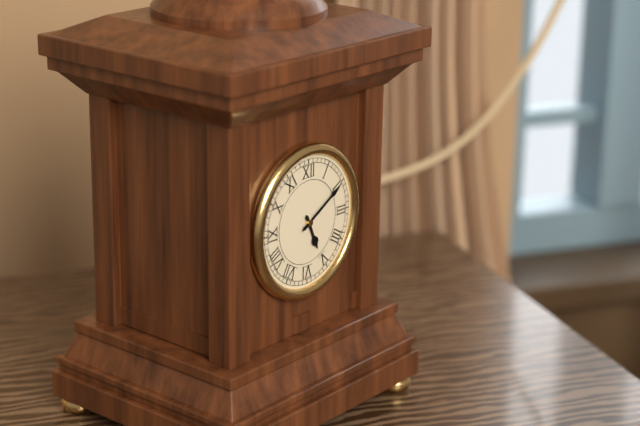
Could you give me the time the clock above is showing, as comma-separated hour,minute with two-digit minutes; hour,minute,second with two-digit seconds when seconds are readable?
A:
5,10
